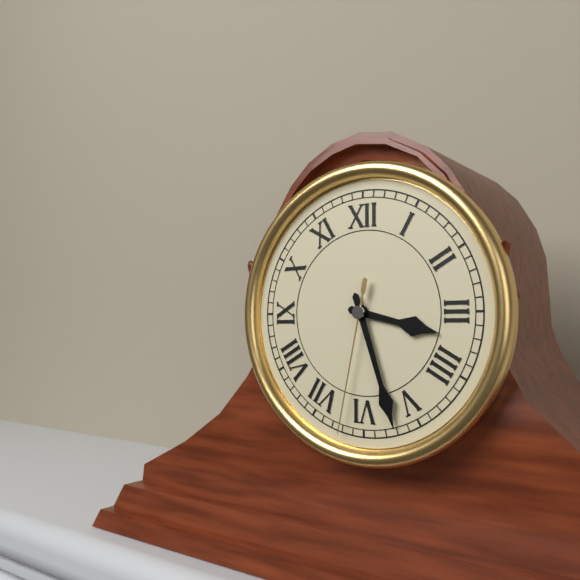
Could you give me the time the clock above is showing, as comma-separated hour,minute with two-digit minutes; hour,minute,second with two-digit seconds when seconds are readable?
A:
3,27,32
